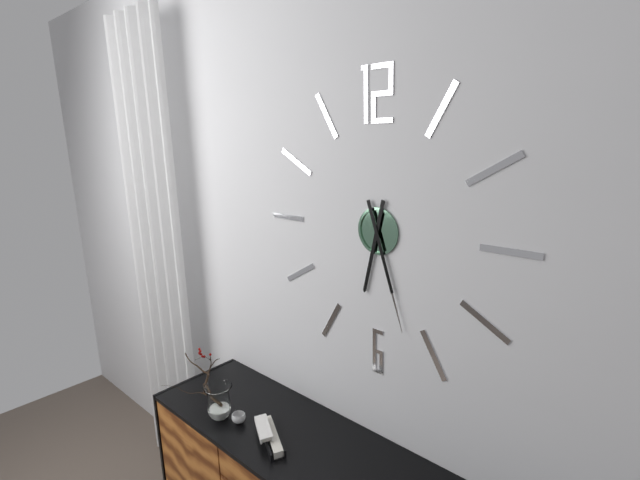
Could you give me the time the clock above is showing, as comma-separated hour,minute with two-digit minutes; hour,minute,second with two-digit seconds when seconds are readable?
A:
6,27
